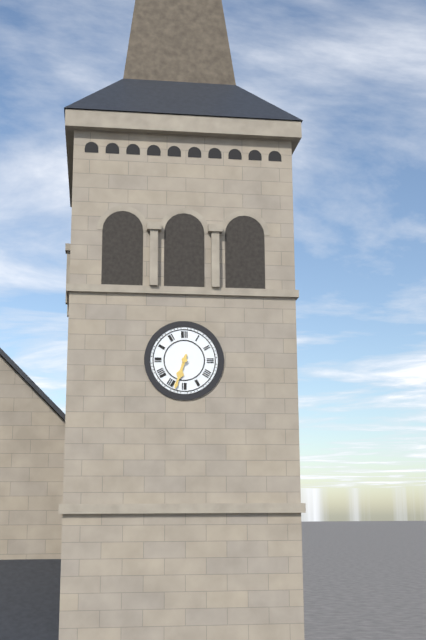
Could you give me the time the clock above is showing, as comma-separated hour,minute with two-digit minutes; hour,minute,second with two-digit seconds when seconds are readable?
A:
6,33
